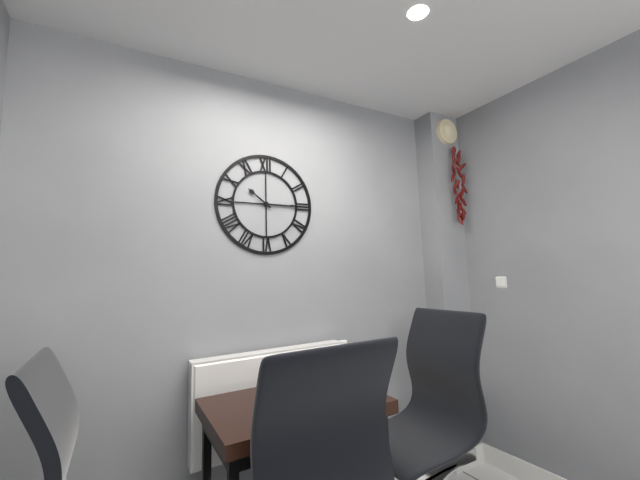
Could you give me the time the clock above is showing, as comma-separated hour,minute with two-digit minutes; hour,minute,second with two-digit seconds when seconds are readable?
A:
10,15
